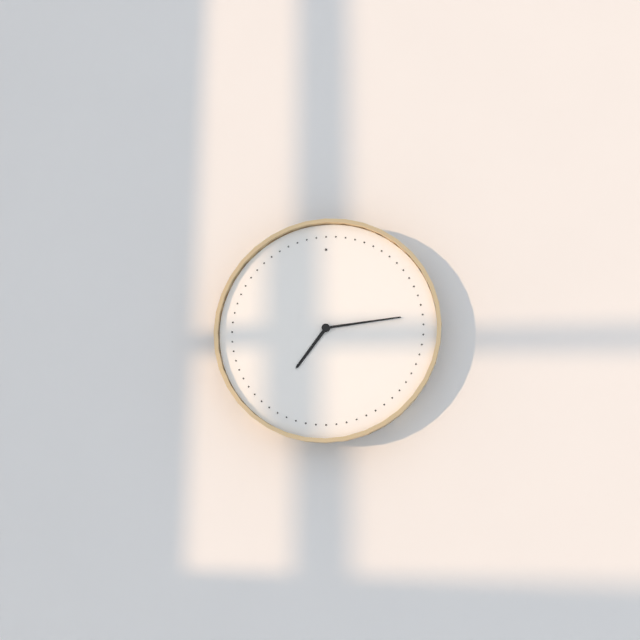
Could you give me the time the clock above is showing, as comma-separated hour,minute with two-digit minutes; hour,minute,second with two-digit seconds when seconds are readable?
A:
7,14
